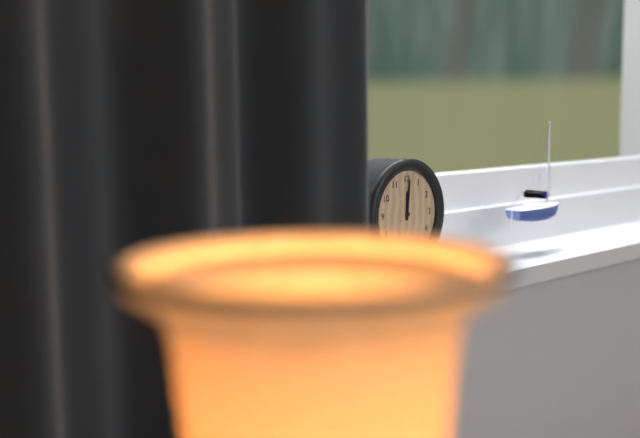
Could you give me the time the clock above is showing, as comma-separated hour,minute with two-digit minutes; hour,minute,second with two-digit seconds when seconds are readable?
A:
12,01
